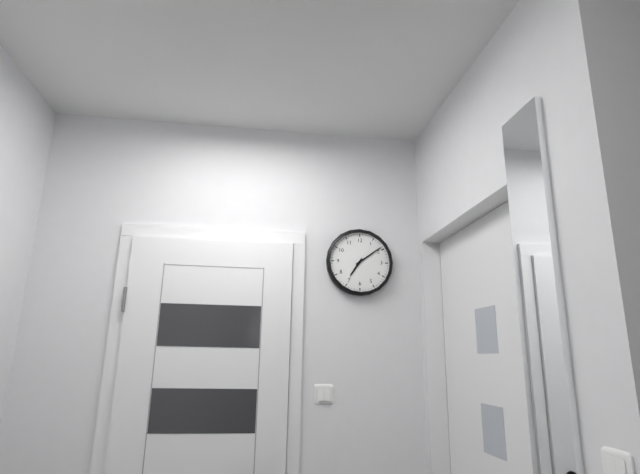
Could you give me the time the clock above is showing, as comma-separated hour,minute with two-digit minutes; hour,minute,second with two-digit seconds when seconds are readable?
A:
7,09
